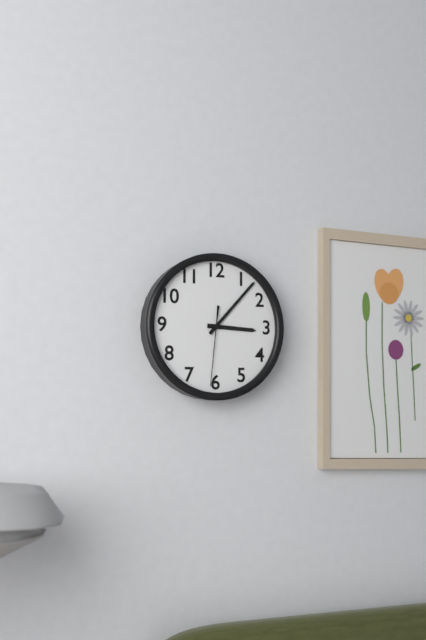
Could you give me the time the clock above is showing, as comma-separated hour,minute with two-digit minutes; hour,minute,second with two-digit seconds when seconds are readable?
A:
3,07,31
